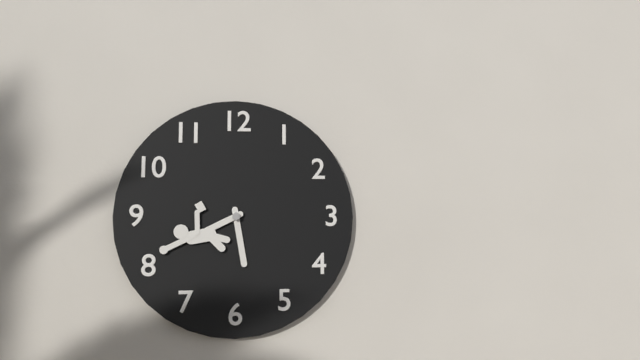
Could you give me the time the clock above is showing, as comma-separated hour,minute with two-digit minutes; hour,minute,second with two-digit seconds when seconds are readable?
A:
5,40
